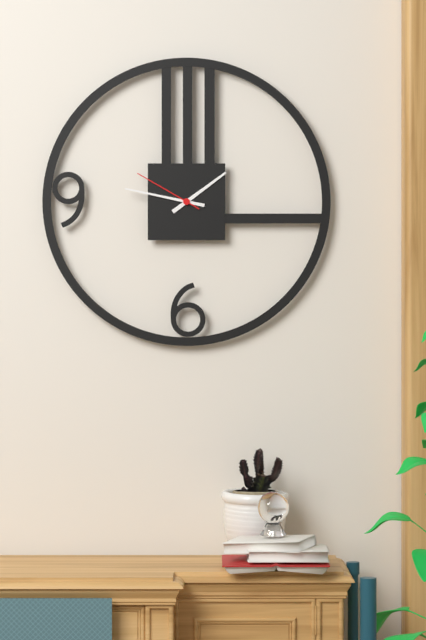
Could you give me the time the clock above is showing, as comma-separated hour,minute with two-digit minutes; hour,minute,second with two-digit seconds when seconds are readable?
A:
1,47,50
